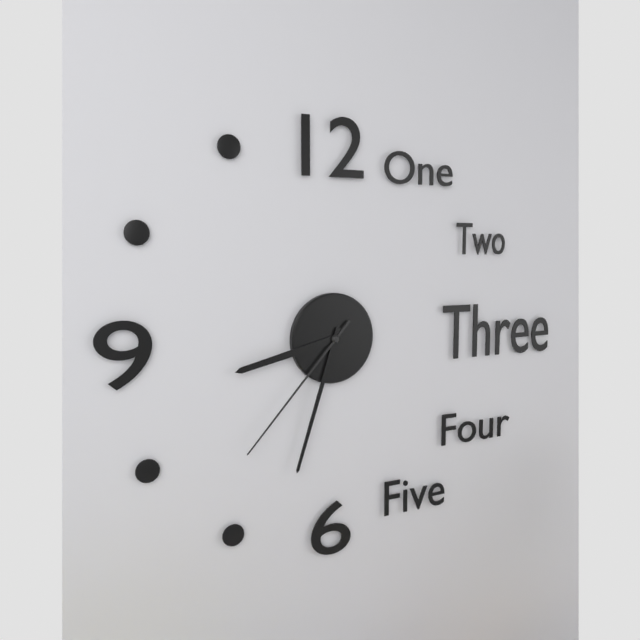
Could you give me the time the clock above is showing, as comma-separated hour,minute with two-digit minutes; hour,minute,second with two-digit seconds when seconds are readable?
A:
8,33,37
